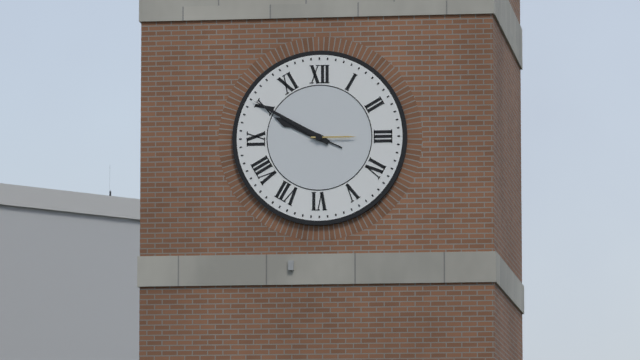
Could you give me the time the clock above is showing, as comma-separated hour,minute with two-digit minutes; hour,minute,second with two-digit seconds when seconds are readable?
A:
9,50
